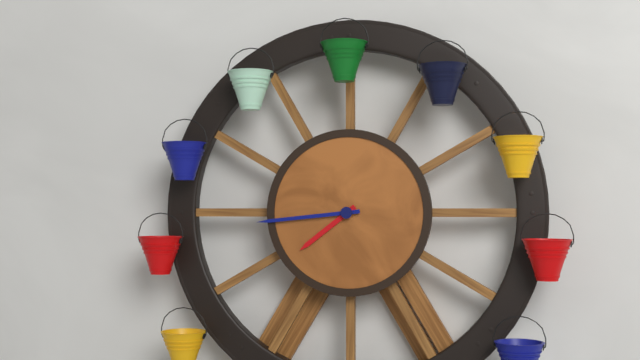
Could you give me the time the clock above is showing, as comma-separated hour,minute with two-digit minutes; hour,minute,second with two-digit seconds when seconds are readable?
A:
7,44
